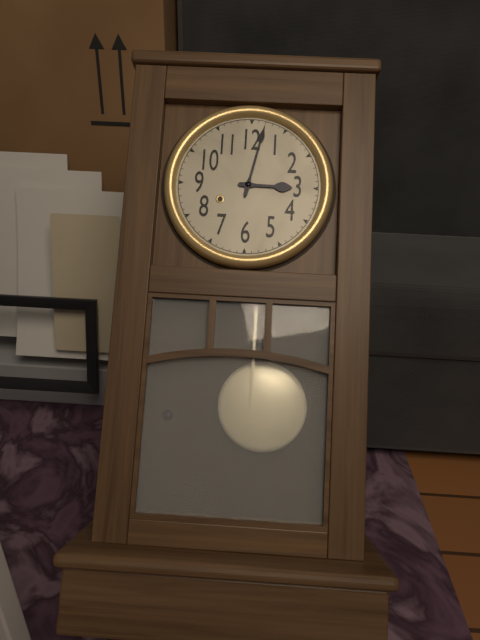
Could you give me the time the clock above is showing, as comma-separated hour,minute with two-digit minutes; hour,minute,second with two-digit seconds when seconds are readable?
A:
3,02
